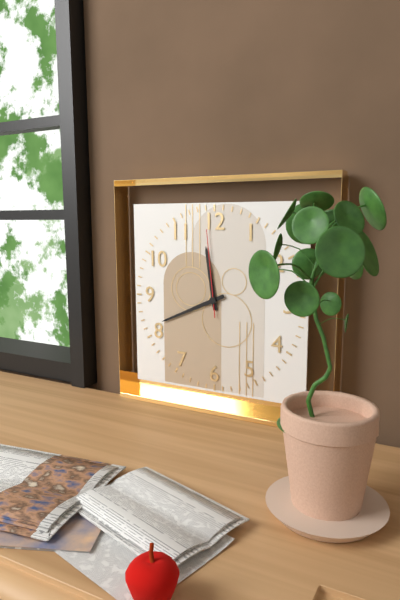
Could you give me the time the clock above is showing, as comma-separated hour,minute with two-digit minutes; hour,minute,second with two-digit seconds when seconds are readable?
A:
11,41,59
